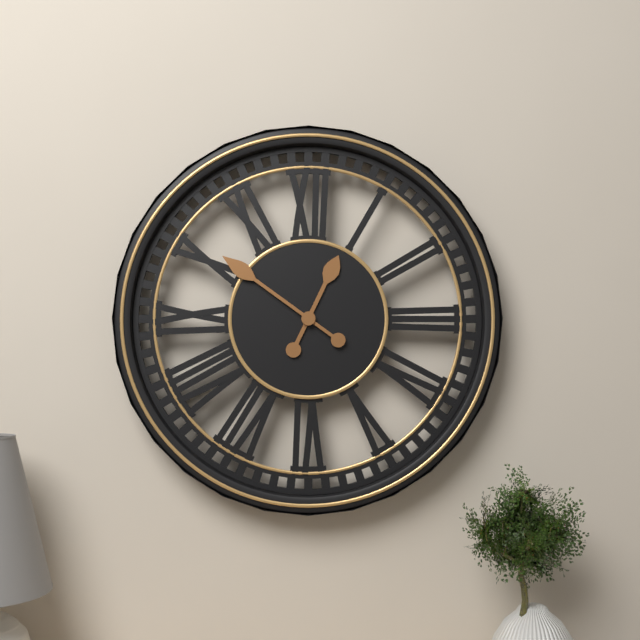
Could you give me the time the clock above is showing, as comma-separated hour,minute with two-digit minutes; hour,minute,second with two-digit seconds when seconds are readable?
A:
12,51
